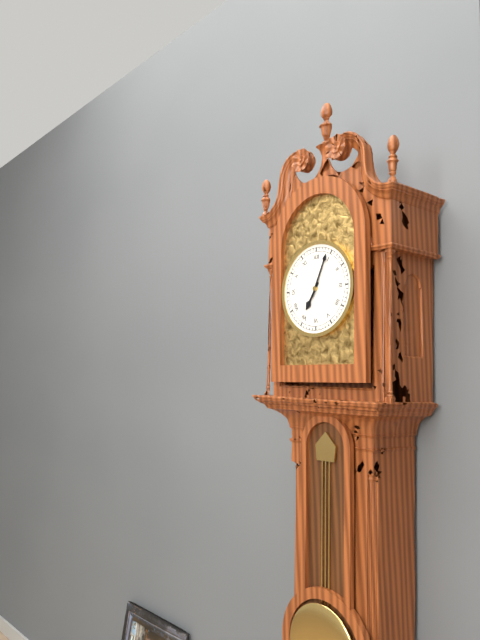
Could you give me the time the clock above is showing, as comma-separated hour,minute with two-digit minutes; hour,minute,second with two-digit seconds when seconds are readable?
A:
7,04
